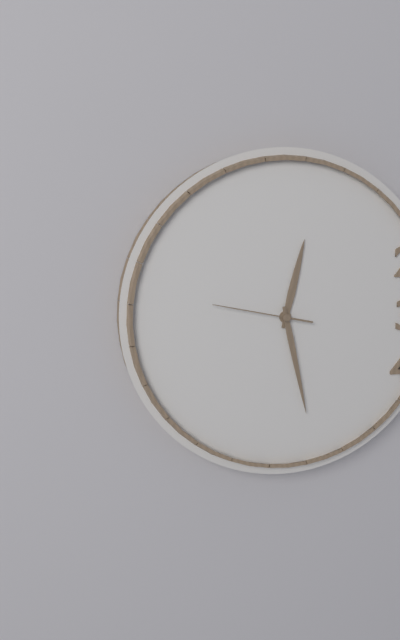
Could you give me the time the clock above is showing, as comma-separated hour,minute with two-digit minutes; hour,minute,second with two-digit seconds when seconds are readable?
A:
12,28,47
